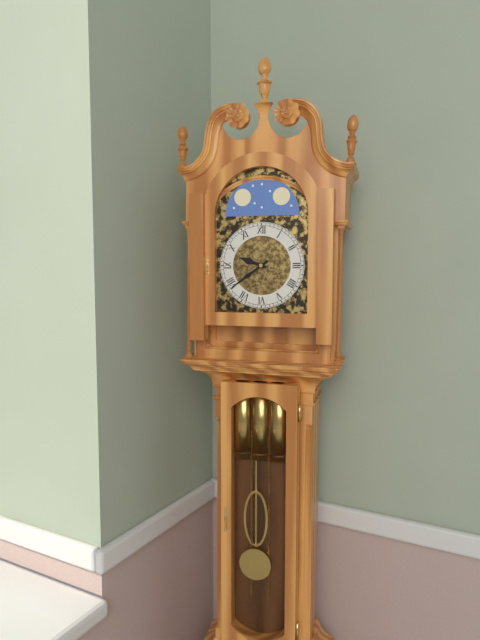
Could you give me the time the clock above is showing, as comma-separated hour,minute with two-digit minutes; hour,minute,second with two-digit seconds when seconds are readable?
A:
9,39
